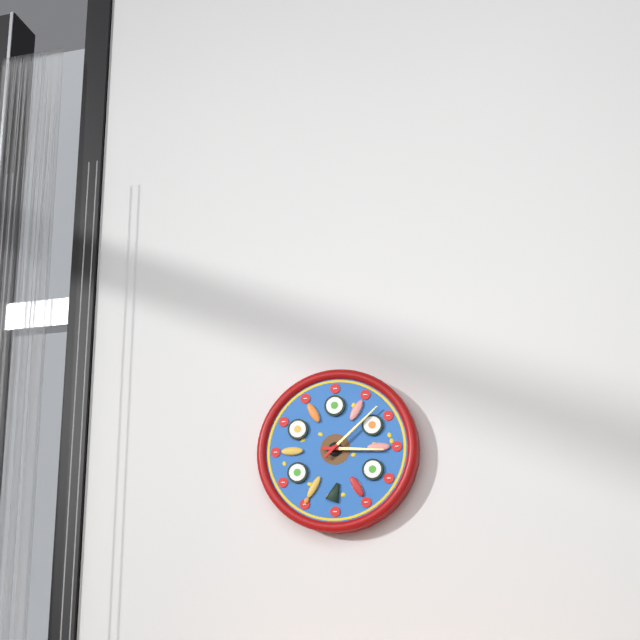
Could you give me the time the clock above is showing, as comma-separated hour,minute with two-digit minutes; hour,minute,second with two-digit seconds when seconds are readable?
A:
3,08
